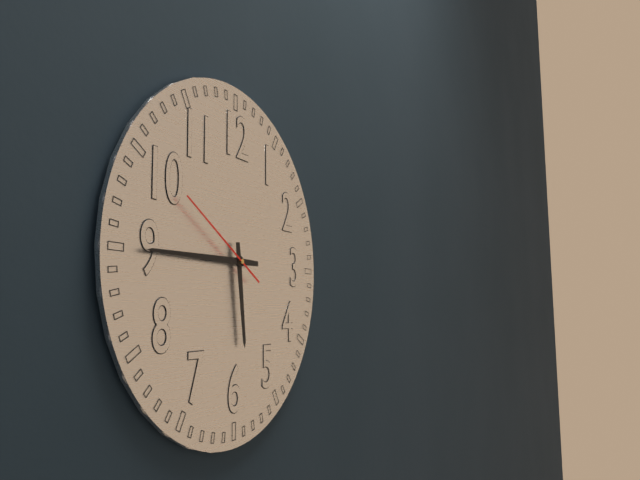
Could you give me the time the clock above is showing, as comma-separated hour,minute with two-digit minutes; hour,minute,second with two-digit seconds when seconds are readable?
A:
5,45,50
